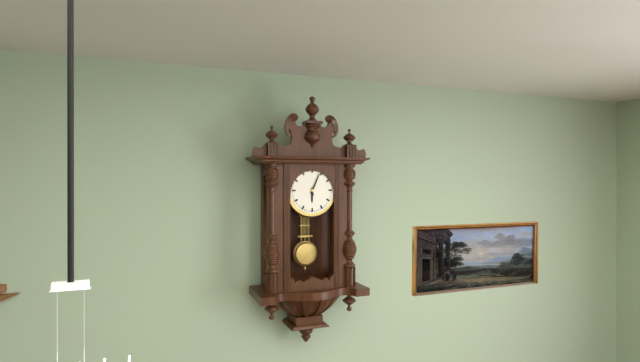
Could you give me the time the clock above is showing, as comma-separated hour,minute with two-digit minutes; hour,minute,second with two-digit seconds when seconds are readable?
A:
6,04
